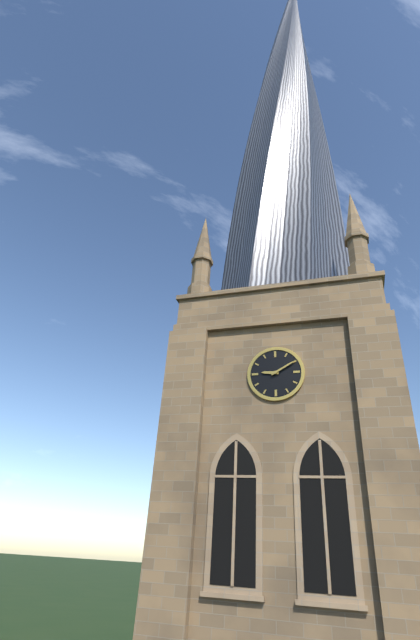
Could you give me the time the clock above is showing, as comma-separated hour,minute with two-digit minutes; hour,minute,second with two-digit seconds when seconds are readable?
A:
9,10
